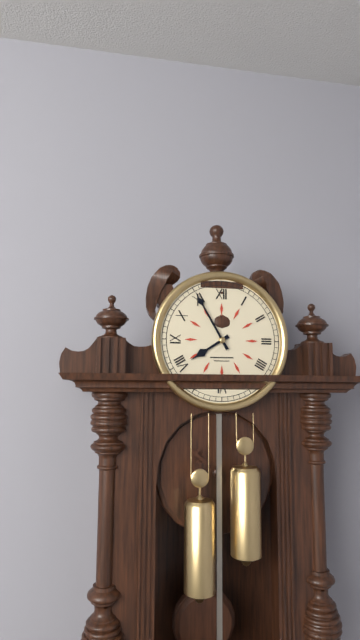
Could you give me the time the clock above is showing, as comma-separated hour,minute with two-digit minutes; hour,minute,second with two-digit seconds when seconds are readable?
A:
7,55
